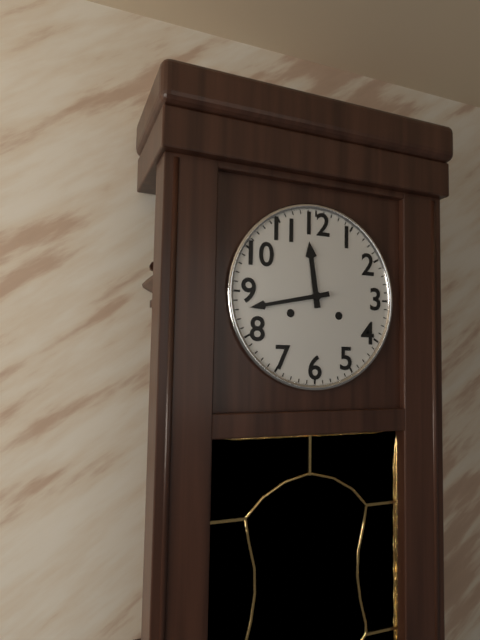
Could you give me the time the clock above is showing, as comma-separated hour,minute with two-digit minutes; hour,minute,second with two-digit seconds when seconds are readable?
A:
11,43
